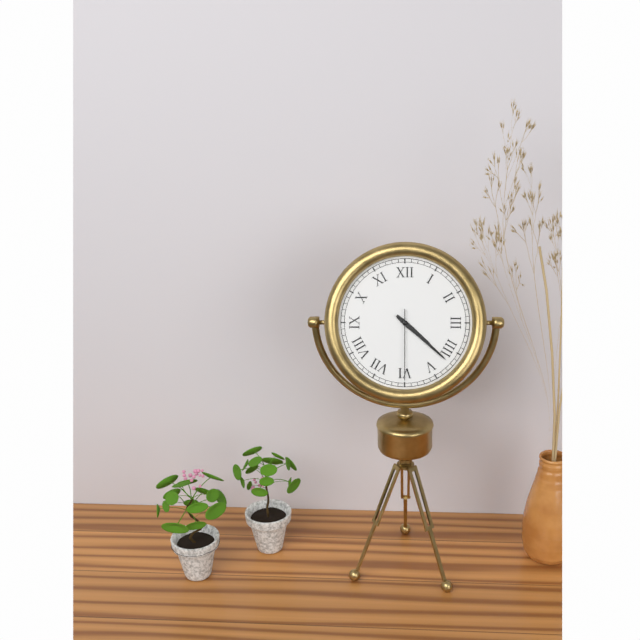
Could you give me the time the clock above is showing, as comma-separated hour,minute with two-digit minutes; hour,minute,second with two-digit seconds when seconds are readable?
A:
4,22,30
